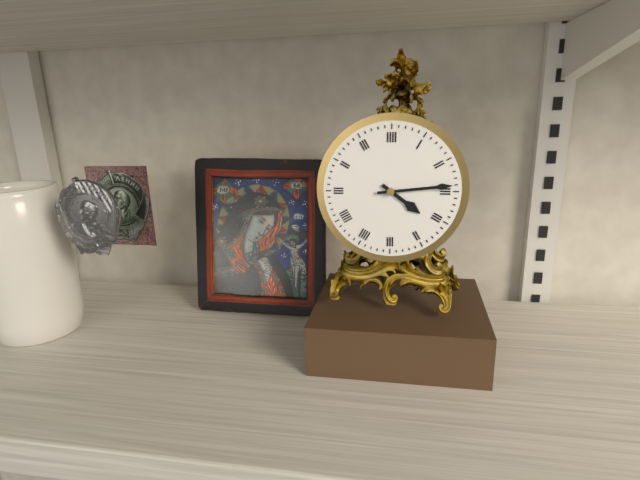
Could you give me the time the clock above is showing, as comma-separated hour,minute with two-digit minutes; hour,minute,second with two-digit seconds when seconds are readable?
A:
4,14
